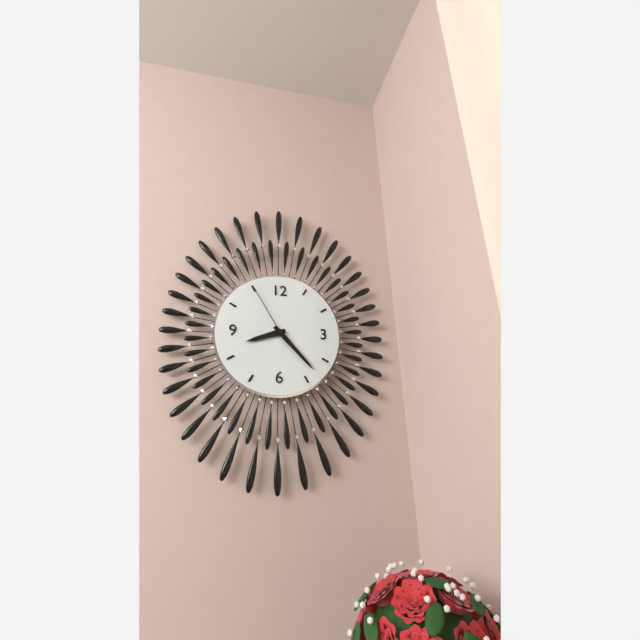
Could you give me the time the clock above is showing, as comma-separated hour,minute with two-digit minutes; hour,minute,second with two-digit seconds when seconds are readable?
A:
8,23,55
